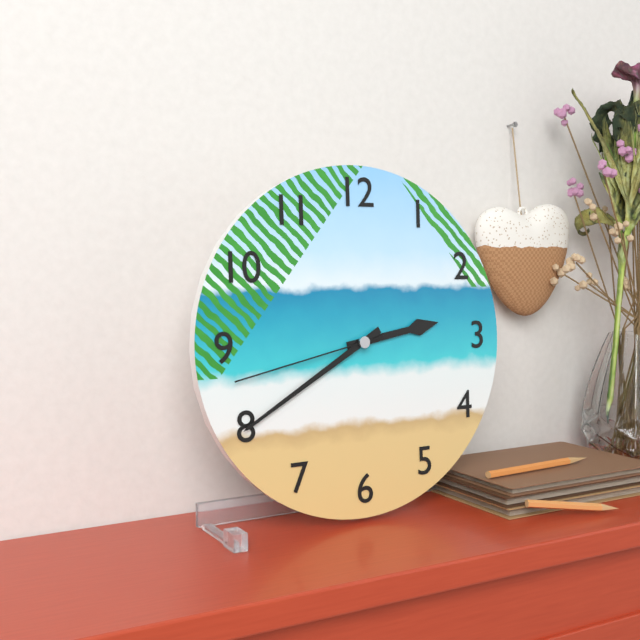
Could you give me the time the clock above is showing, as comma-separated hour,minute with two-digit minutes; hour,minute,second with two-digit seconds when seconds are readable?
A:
2,40,43
